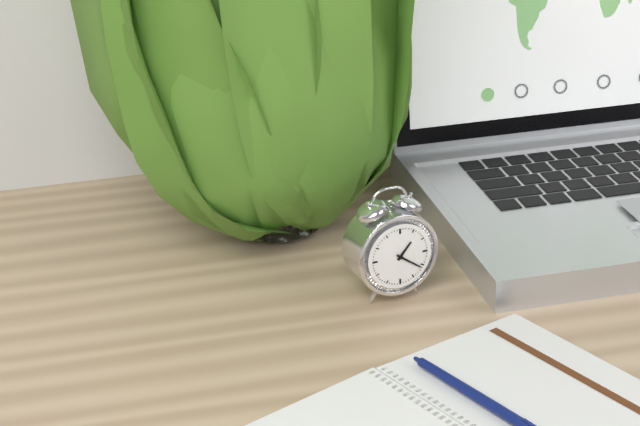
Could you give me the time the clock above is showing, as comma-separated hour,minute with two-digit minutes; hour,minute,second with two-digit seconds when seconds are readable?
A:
1,21
